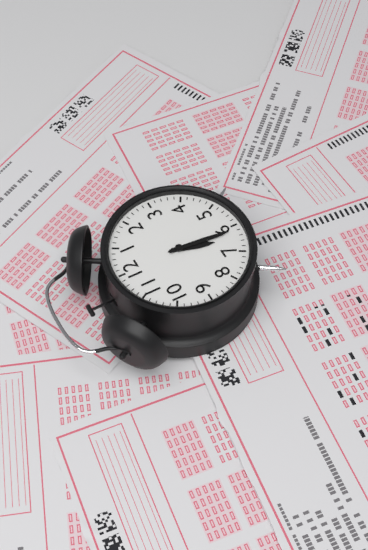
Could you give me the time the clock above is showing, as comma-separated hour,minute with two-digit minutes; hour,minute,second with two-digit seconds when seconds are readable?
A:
6,31
